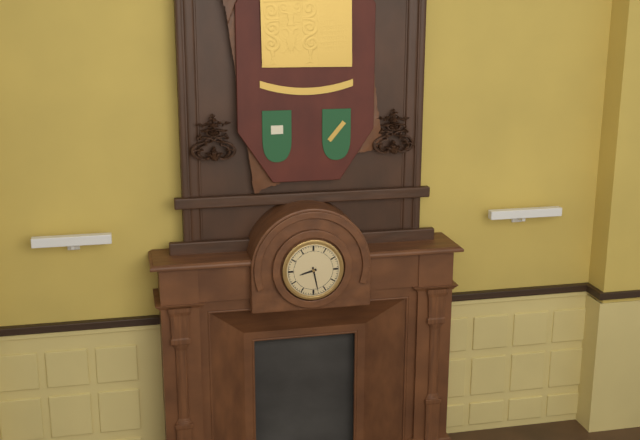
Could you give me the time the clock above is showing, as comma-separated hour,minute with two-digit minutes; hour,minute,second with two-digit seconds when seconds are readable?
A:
8,28
